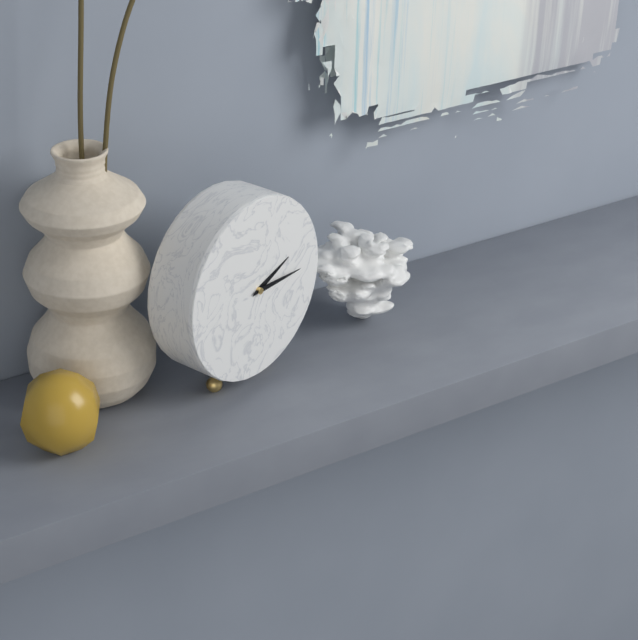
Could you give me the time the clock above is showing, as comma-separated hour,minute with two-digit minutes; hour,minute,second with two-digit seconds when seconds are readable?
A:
2,15
